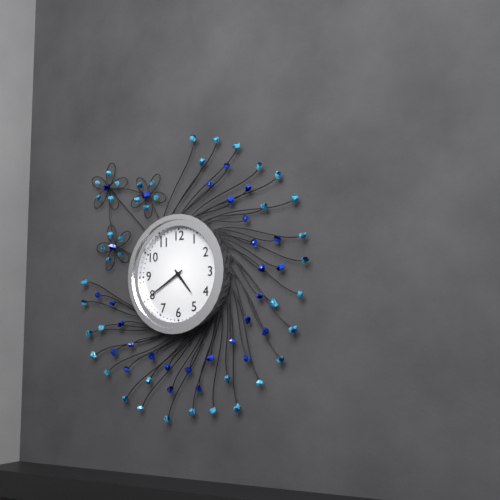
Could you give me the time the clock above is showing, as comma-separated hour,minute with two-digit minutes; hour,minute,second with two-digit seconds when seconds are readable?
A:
4,40
